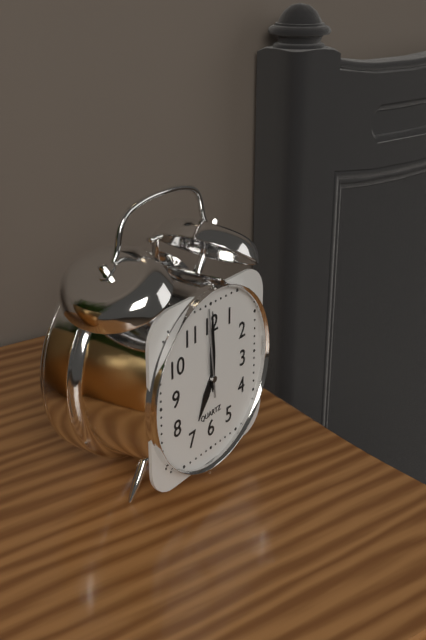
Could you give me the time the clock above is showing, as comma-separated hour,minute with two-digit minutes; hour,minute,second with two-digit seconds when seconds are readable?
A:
7,00,59
